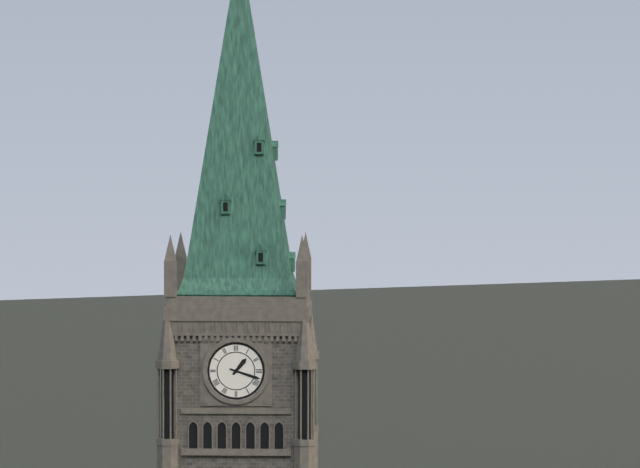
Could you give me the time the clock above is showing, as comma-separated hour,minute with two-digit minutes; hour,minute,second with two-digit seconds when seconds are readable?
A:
1,18
